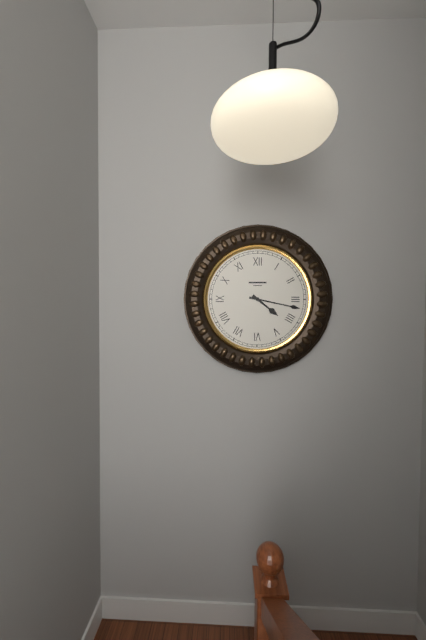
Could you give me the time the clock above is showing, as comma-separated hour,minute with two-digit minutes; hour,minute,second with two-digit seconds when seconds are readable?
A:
4,17
